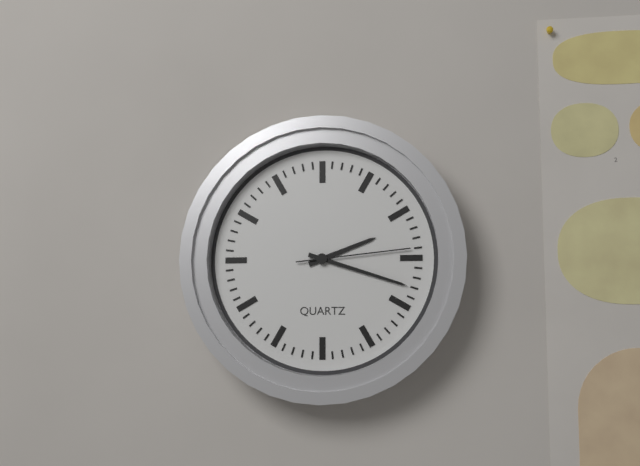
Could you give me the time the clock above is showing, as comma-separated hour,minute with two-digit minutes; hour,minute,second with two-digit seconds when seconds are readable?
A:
2,18,14
